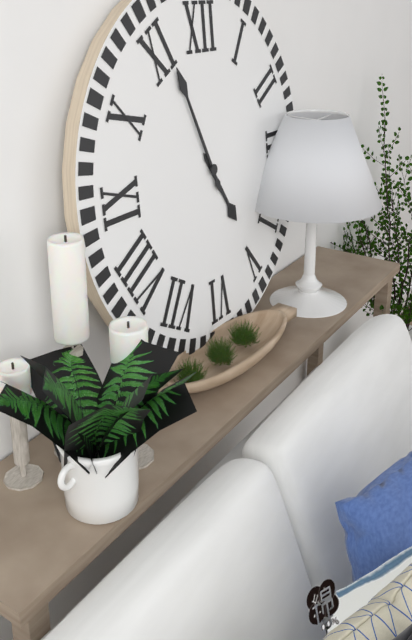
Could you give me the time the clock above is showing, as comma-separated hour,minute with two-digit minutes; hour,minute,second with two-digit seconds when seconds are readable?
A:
4,56
